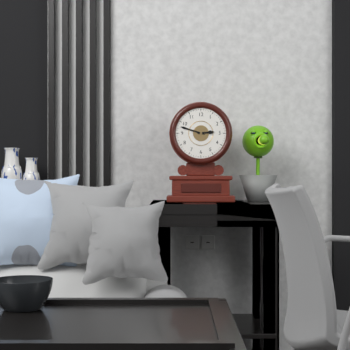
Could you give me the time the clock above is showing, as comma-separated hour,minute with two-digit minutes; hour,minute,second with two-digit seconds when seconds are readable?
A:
2,48
